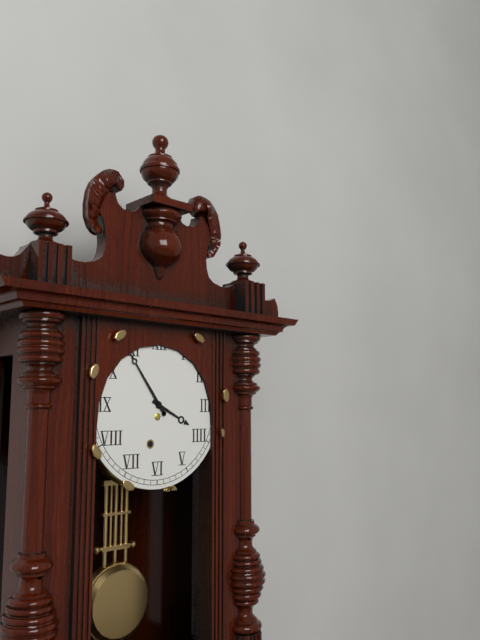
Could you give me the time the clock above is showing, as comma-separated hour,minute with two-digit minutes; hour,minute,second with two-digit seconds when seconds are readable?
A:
3,54
